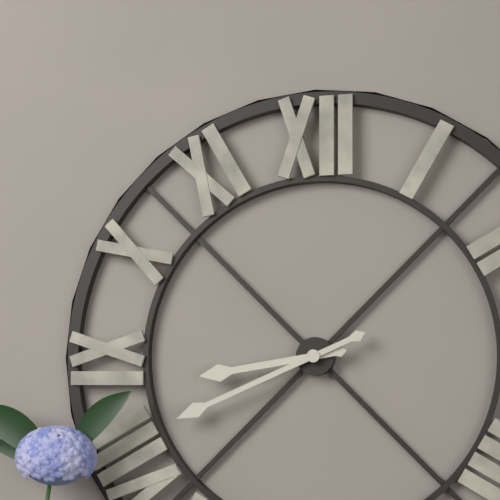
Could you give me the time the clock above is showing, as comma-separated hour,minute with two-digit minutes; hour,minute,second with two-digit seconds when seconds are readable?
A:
8,41
